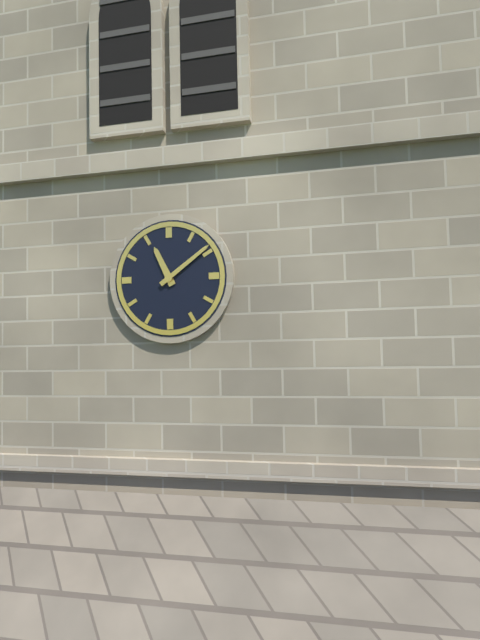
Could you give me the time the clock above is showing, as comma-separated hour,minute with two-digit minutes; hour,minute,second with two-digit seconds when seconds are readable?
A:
11,09
